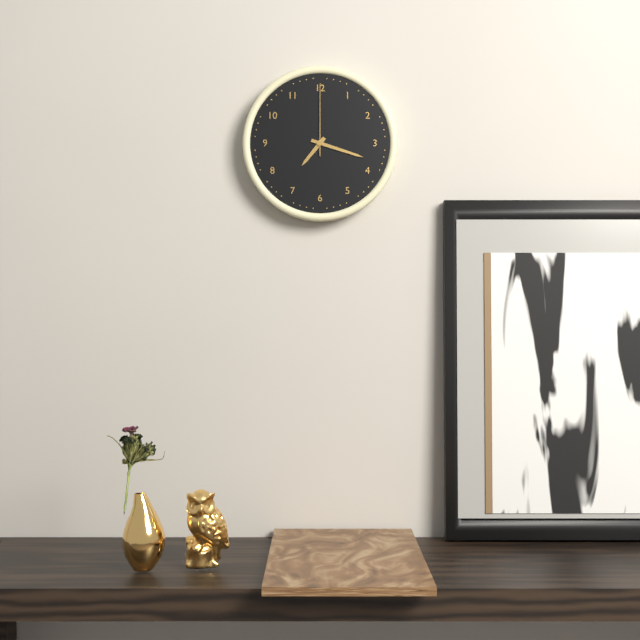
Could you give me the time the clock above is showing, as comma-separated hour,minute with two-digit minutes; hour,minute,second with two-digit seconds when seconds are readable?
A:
7,18,00
